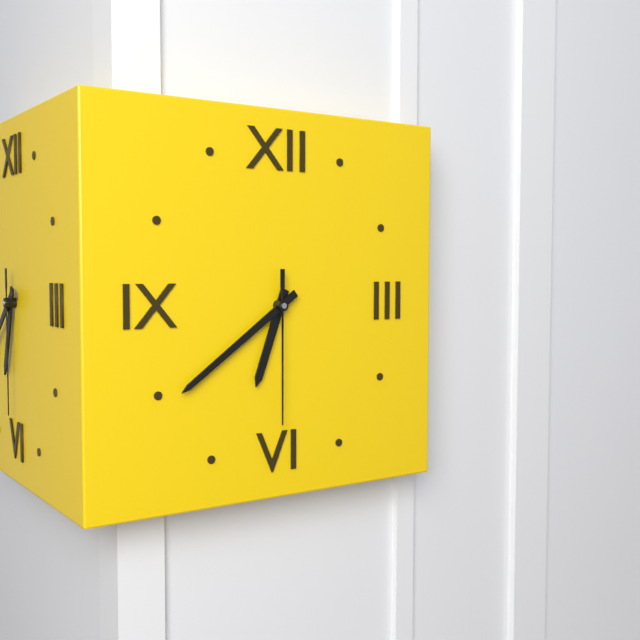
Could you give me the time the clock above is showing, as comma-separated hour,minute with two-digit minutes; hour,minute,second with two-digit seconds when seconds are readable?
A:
6,39,30
